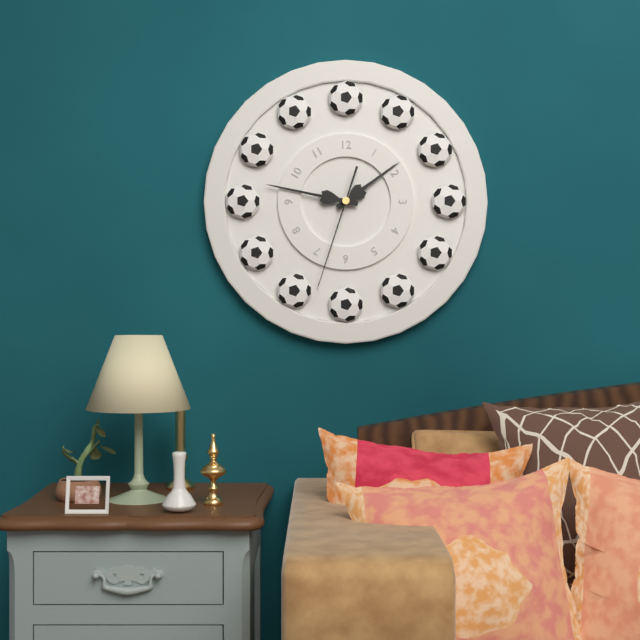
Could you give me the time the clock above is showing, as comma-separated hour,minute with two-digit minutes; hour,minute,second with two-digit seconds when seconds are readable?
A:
1,47,33
